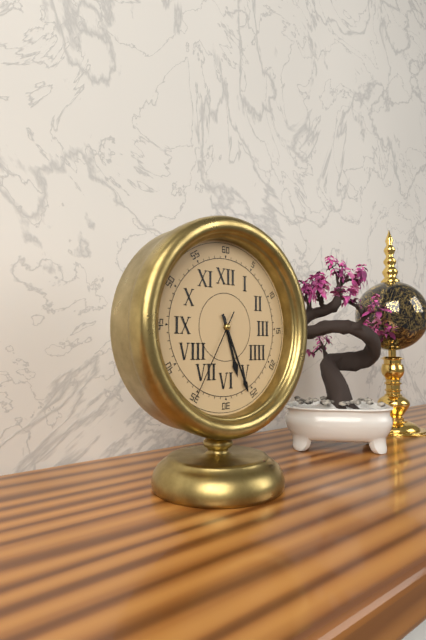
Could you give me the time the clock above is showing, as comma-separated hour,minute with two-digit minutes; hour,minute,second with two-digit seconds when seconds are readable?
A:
5,26,35
